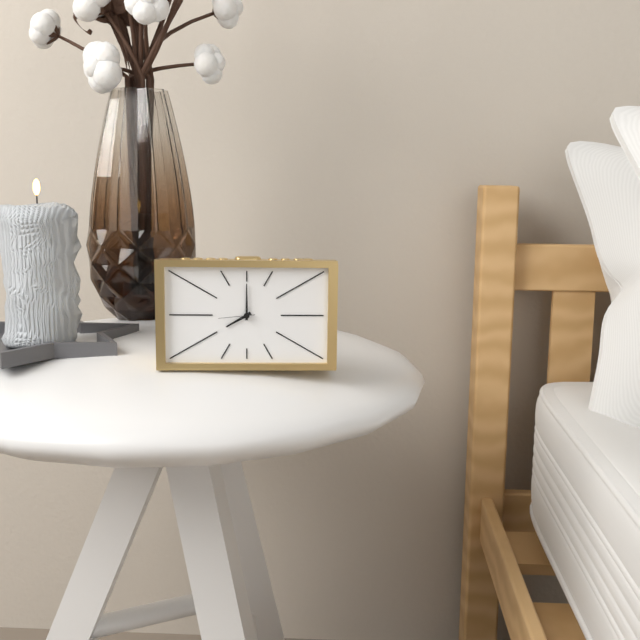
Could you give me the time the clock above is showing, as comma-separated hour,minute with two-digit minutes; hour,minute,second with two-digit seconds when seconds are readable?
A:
8,00
